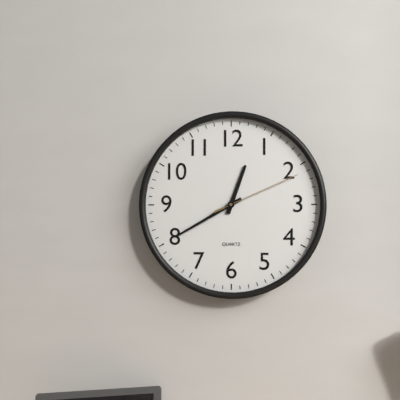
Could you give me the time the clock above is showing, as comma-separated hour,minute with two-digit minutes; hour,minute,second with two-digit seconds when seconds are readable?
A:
12,40,11
